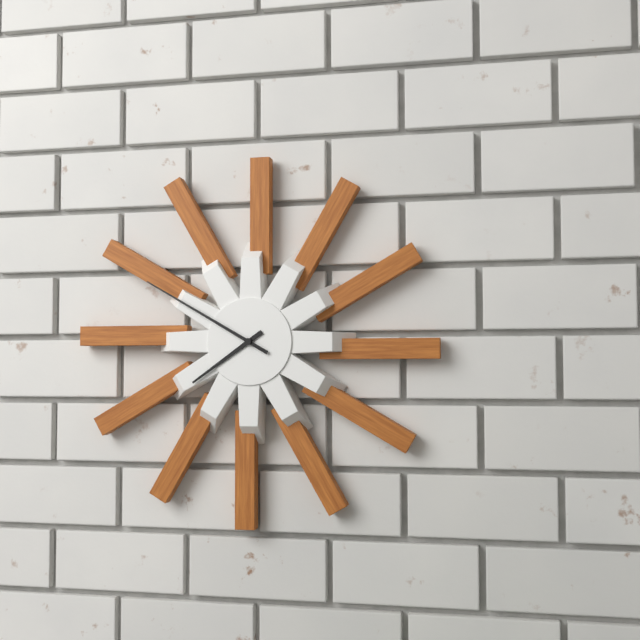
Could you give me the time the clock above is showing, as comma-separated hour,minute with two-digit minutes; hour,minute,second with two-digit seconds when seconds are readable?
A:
7,50
